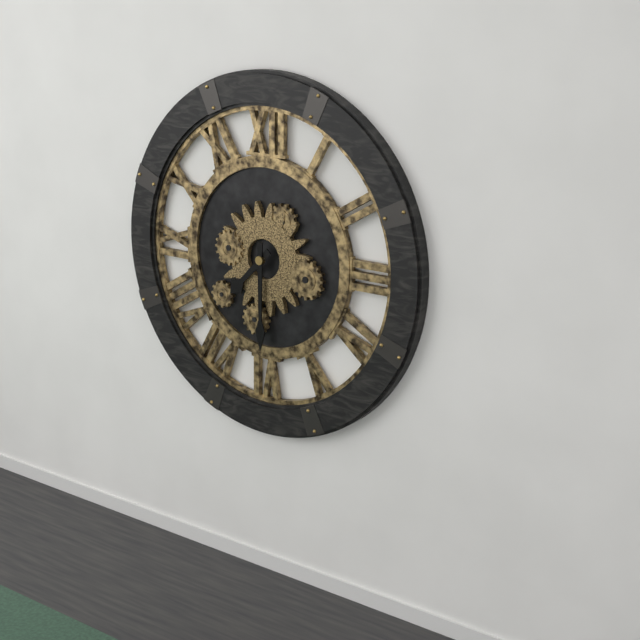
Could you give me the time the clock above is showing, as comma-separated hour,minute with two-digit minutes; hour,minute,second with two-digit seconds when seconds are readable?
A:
7,30
